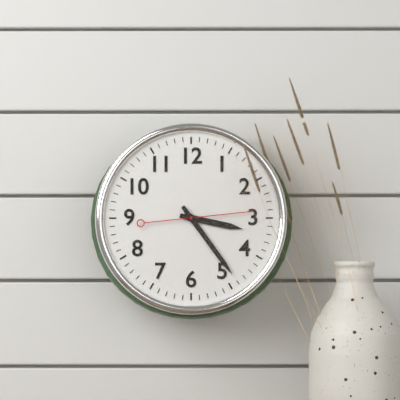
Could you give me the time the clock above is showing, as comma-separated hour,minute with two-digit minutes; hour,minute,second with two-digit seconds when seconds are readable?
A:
3,24,14
